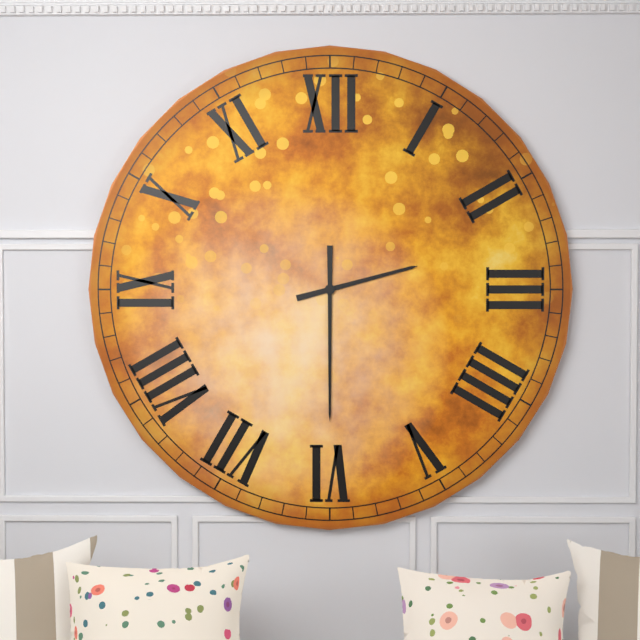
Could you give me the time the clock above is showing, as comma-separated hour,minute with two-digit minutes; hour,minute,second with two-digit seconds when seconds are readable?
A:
2,30
